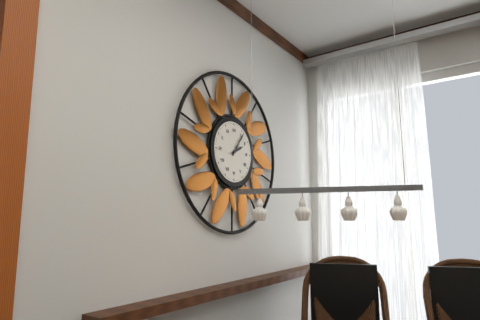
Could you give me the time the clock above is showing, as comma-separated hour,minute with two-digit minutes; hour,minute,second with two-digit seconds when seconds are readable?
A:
2,06
